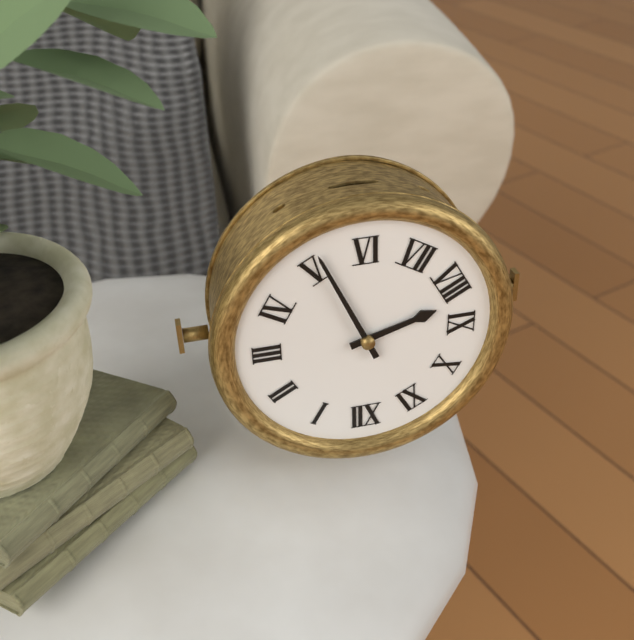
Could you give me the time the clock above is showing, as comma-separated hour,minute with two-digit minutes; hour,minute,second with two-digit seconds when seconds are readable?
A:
8,26
